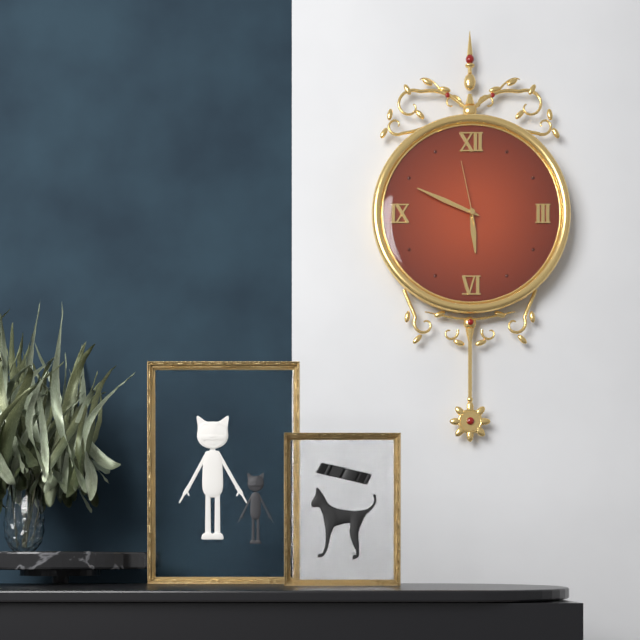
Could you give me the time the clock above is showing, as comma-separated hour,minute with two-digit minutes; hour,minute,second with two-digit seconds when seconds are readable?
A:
5,49,58
